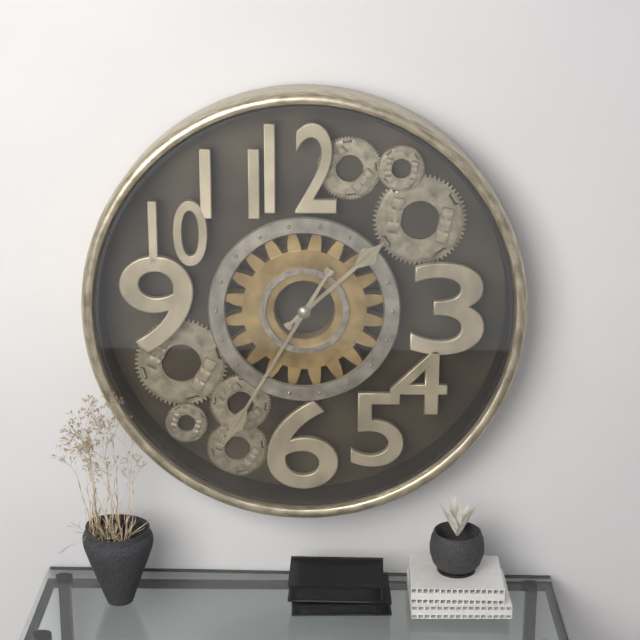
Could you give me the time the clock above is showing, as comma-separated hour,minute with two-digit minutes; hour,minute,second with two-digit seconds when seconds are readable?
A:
1,35
